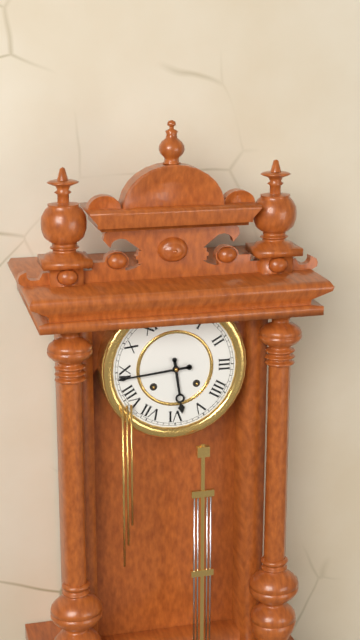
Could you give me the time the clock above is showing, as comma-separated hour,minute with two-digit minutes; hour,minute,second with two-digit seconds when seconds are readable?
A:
5,44
